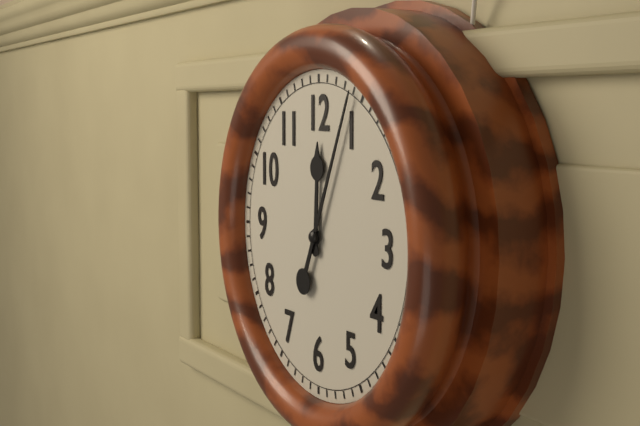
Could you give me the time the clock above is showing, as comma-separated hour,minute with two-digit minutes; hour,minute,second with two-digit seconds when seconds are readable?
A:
12,04
